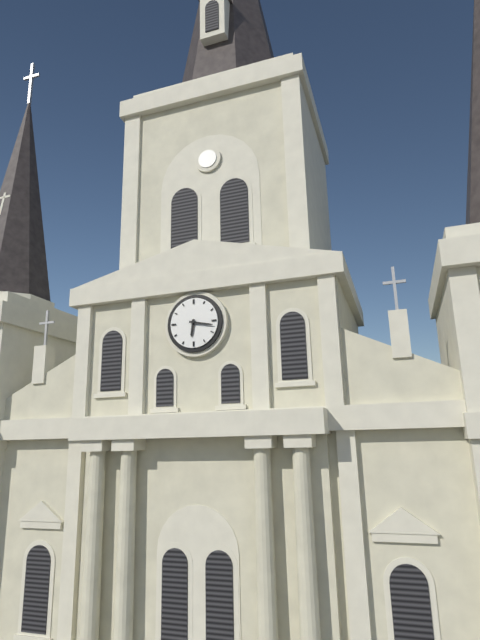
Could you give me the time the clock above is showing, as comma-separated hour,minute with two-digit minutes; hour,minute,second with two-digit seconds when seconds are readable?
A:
6,17
